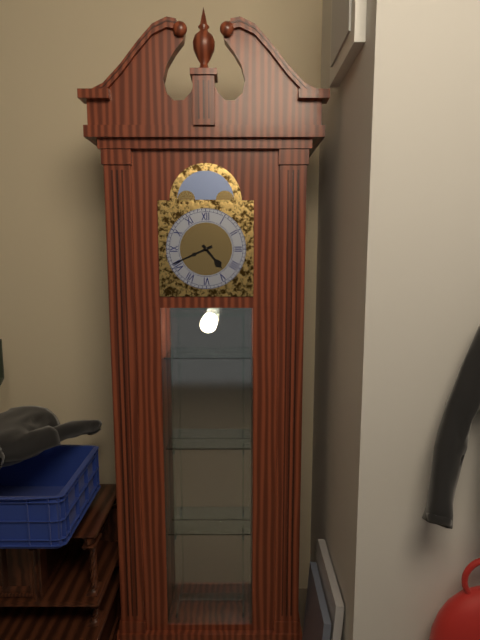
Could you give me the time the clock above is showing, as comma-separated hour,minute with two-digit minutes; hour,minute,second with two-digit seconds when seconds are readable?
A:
4,41
